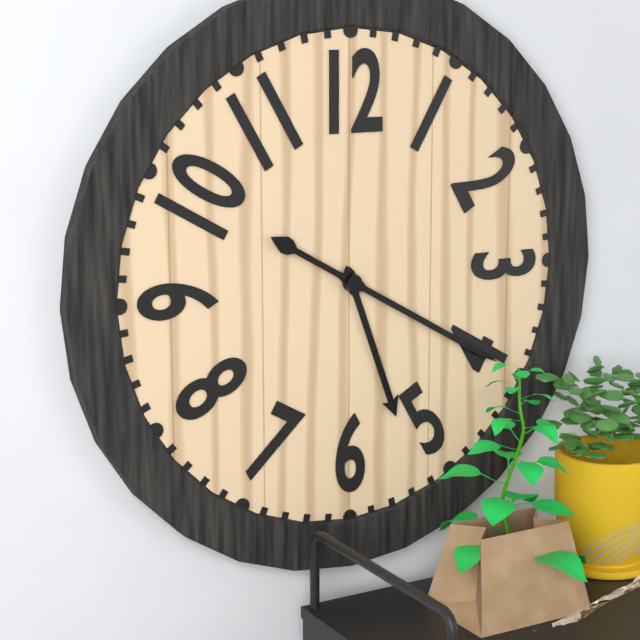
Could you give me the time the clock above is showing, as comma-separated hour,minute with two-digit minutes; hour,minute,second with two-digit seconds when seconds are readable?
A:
5,20
